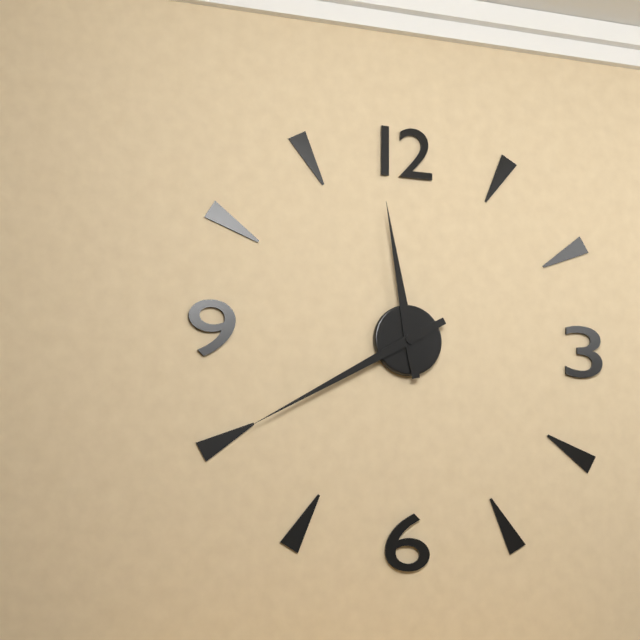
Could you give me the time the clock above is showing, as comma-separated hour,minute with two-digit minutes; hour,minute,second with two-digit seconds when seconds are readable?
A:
11,40
